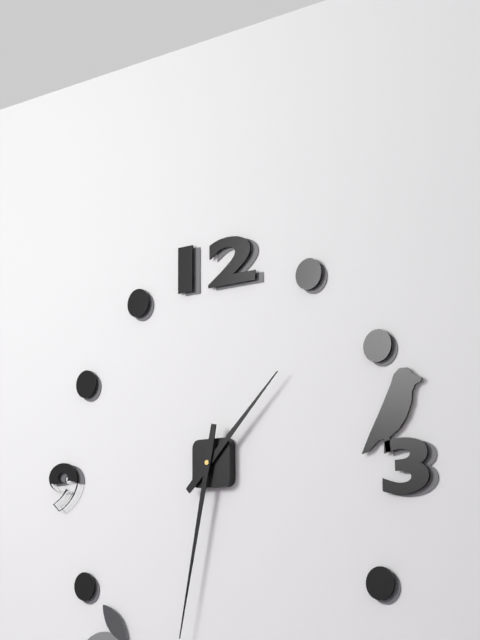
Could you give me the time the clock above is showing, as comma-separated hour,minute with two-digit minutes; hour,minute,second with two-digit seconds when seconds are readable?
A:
1,32
